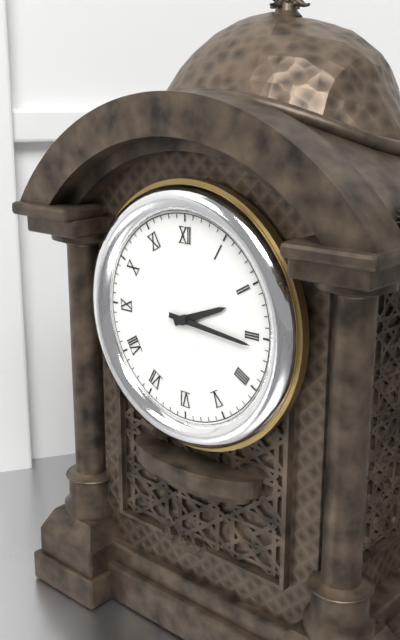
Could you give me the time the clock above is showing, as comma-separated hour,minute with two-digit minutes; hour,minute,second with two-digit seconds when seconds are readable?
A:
2,16
